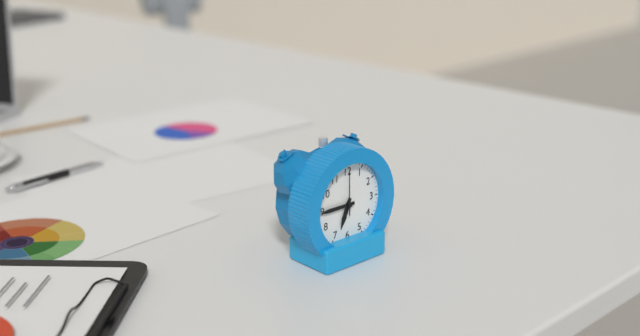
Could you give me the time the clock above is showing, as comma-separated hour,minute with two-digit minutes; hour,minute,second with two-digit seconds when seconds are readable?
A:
6,45
